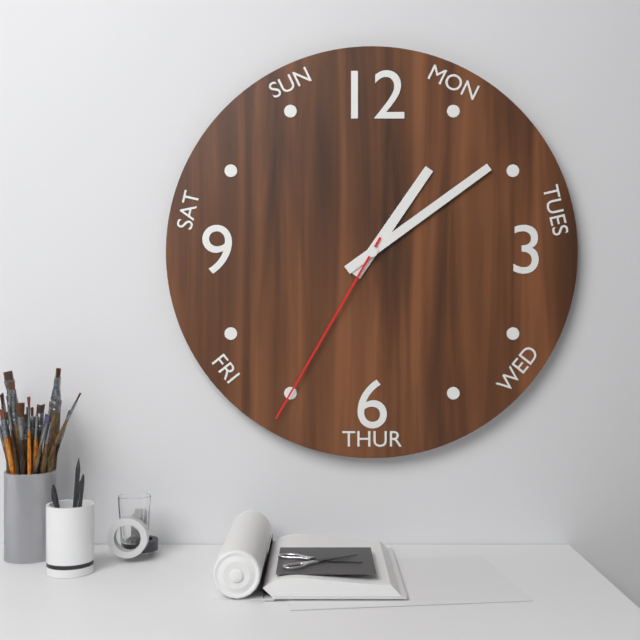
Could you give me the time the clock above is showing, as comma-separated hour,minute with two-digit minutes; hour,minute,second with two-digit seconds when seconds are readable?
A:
1,09,35
